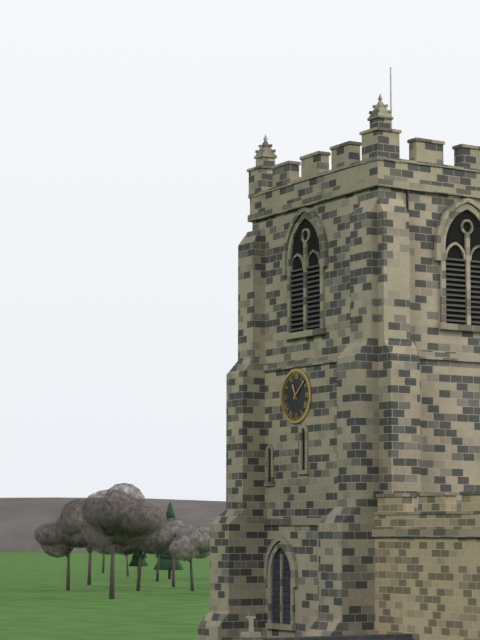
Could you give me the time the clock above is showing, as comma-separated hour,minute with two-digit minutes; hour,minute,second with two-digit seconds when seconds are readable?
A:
11,08
